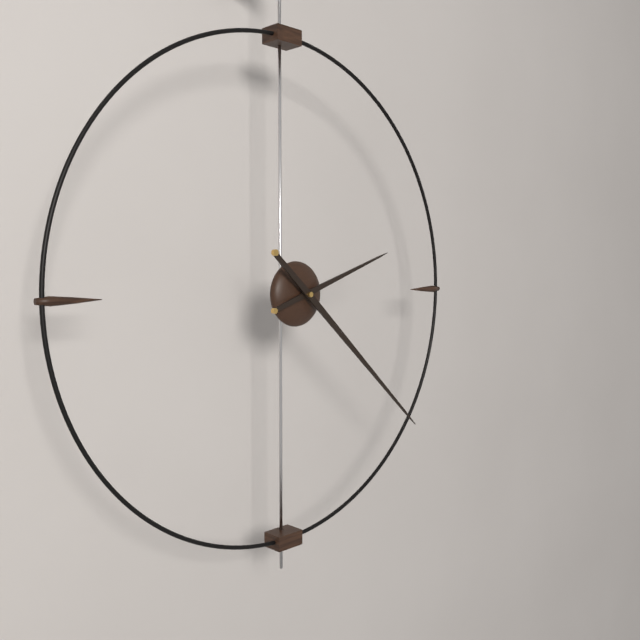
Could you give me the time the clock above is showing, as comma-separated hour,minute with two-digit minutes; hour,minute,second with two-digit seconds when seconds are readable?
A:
2,22
